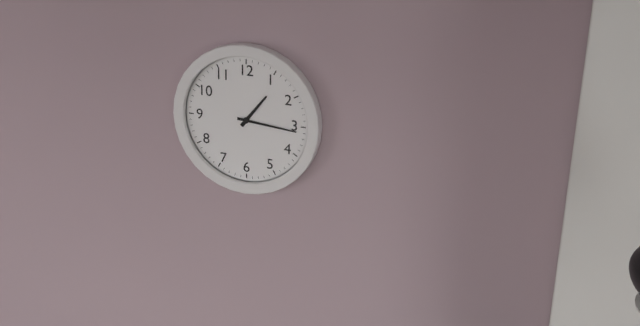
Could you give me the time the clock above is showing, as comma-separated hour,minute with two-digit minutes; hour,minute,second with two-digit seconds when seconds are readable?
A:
1,16
